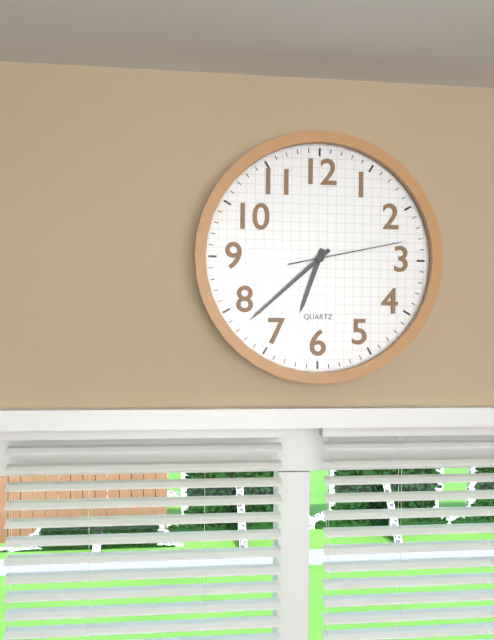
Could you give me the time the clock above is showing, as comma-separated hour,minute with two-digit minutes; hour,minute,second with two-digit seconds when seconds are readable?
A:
6,38,13
